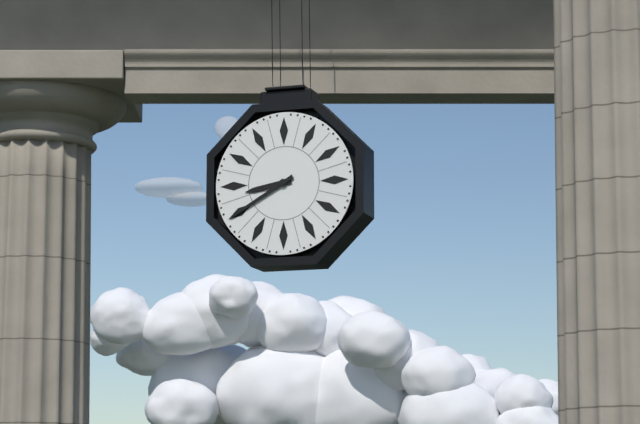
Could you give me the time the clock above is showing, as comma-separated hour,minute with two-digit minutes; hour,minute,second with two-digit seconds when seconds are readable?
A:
8,40
